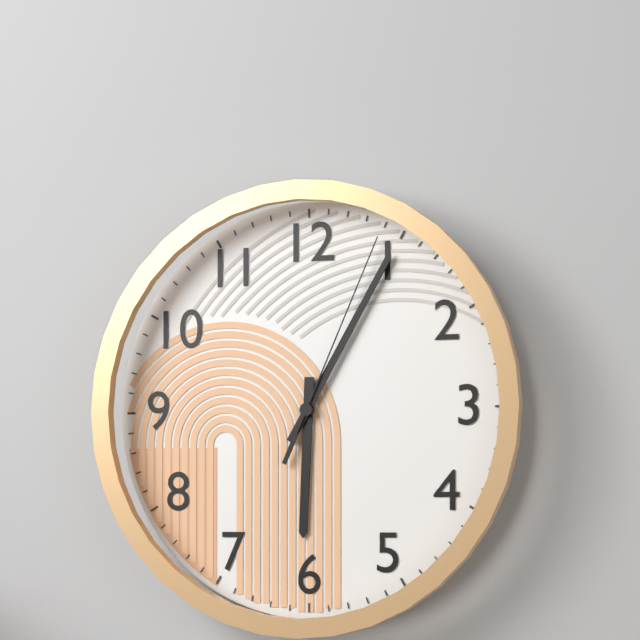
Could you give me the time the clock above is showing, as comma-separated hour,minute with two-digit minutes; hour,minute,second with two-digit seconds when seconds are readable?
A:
6,05,04
